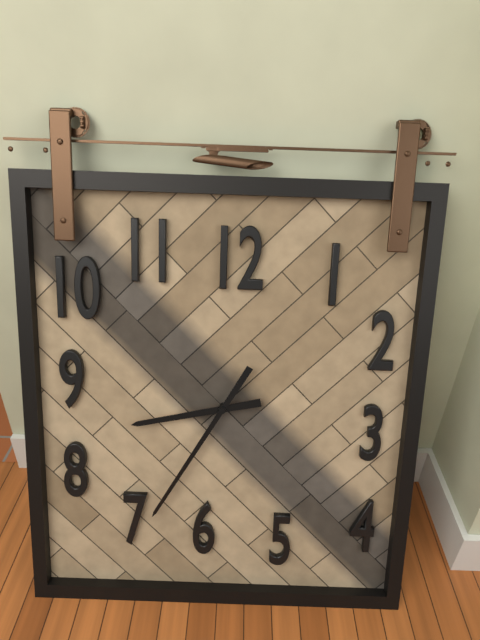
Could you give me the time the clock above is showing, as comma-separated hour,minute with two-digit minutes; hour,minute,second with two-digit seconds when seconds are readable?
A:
8,35
